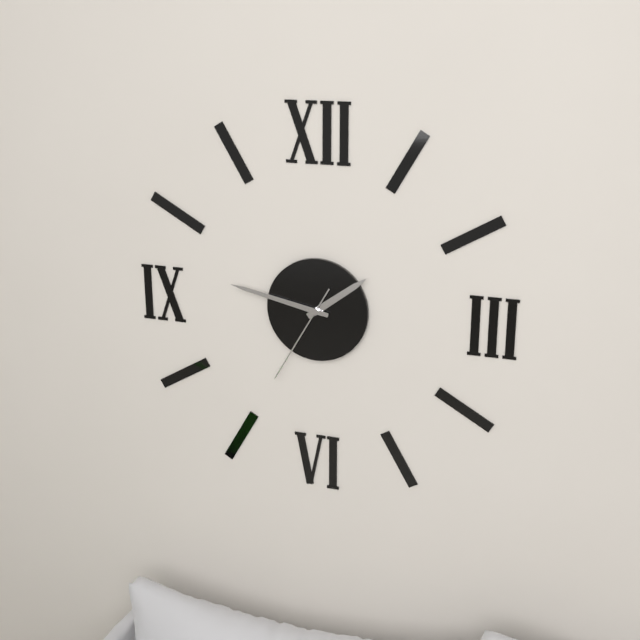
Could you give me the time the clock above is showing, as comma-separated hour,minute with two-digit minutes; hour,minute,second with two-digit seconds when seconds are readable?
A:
1,47,35
